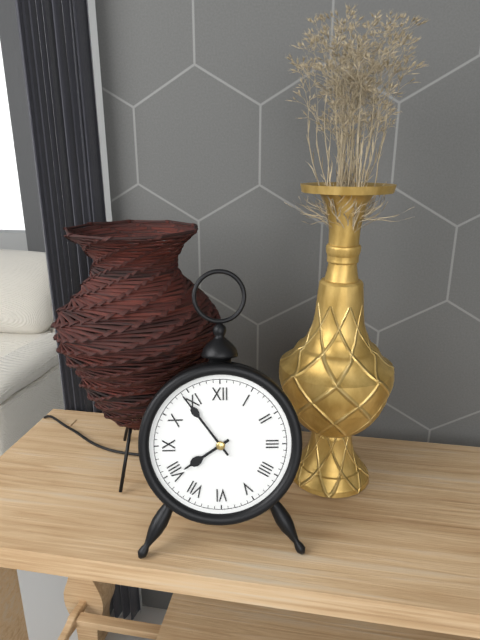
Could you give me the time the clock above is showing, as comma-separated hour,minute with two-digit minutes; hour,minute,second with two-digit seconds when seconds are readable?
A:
7,54
